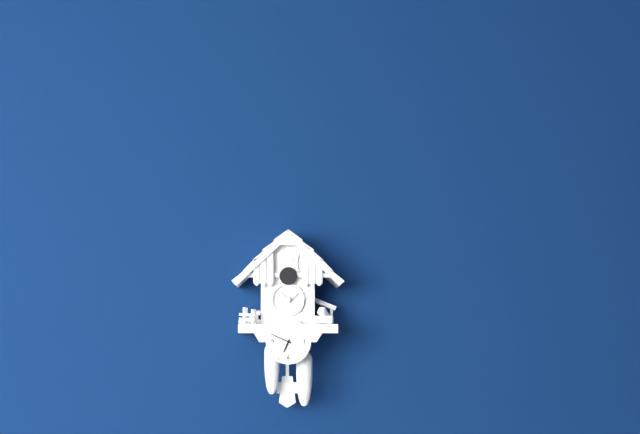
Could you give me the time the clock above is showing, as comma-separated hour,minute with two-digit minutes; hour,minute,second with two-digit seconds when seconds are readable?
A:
6,49
